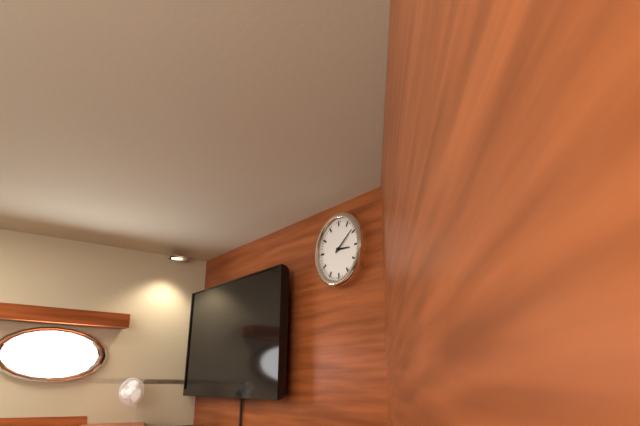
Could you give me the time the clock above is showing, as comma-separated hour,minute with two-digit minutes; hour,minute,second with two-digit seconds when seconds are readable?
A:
3,09
